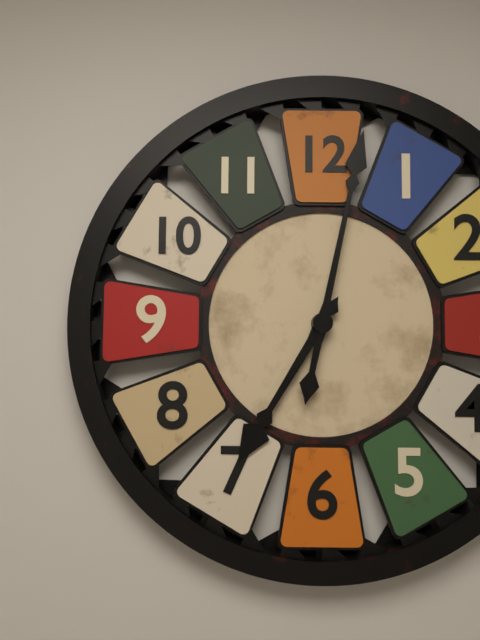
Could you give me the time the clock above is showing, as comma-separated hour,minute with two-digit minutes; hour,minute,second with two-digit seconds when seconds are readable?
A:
7,02
